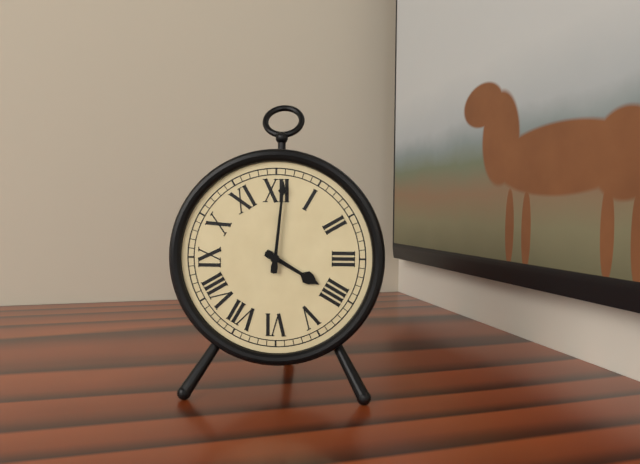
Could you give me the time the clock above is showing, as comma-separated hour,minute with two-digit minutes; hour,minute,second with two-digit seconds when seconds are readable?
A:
4,01
